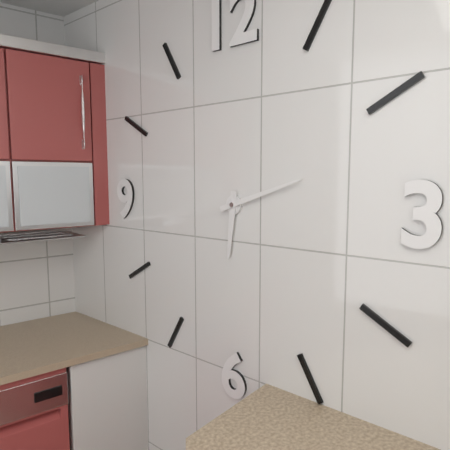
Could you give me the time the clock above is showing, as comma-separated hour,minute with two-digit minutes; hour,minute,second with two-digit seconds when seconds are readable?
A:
6,12
